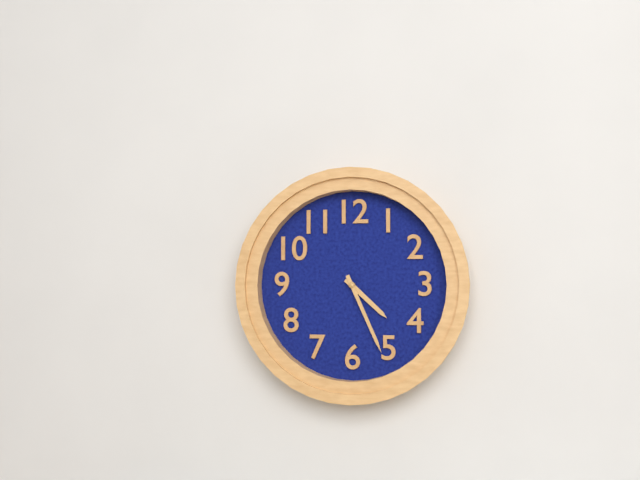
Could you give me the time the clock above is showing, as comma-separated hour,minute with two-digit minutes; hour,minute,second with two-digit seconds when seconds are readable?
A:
4,26
